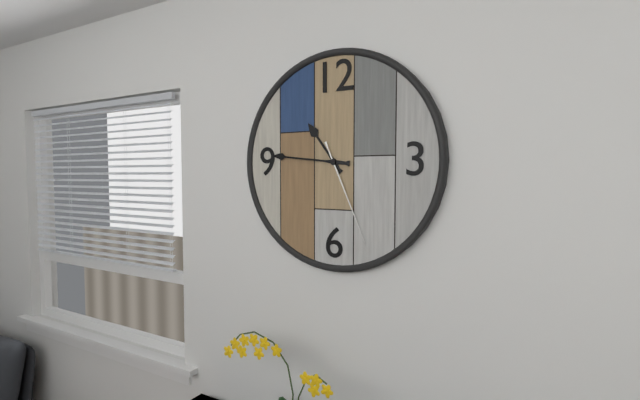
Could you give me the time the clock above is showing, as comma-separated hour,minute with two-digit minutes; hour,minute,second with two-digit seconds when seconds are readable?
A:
10,46,26
